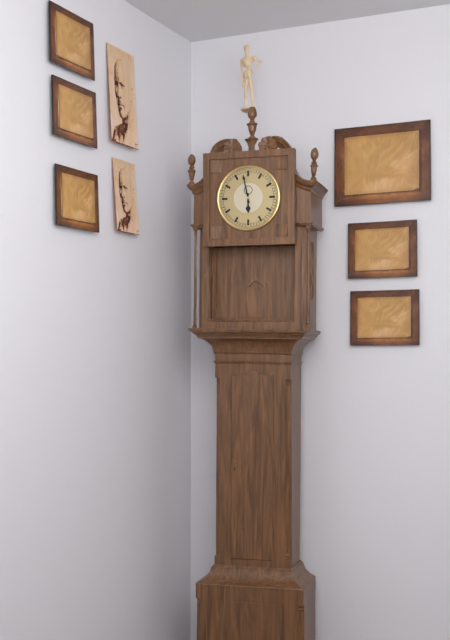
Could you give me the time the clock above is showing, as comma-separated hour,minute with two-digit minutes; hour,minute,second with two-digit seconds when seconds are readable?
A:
5,58
